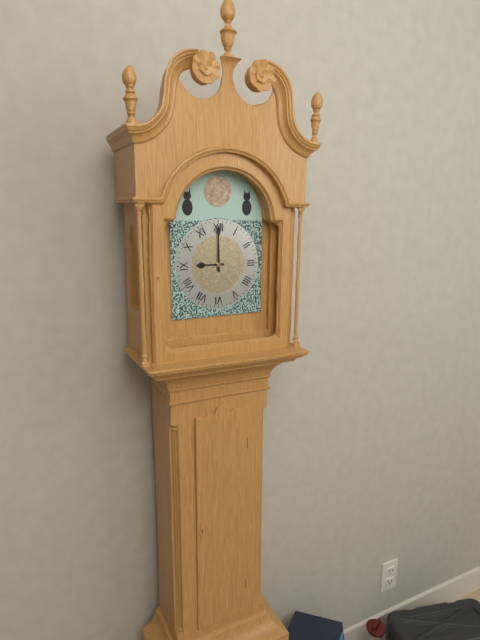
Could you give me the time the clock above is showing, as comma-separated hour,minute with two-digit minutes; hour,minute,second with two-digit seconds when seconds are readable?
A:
9,00
